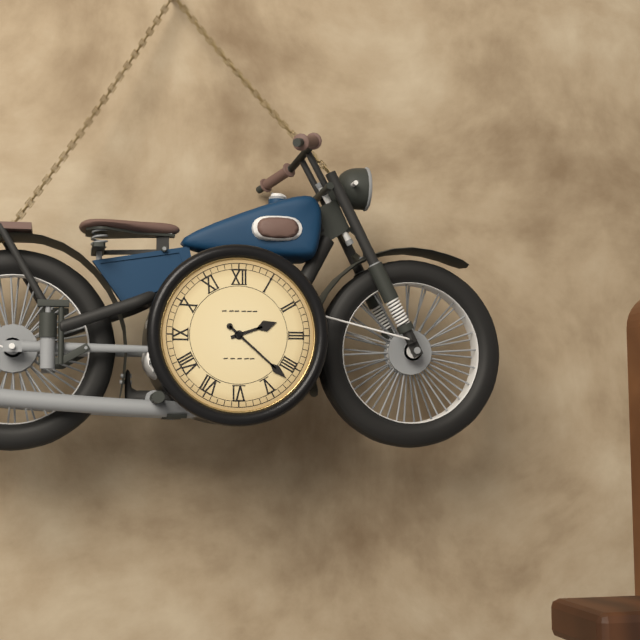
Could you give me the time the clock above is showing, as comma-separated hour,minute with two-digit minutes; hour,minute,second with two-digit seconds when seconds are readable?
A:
2,22
